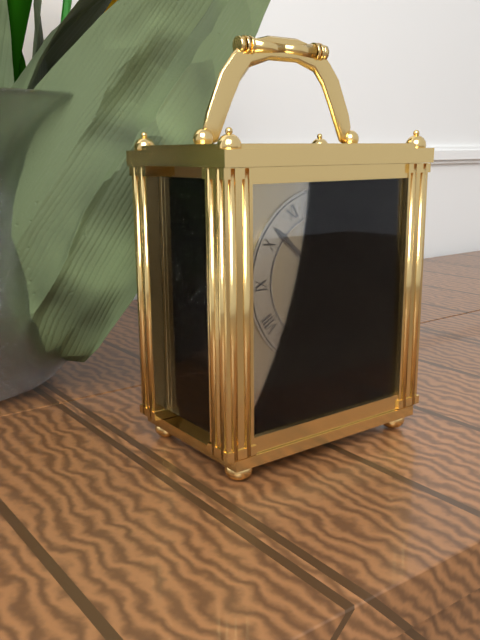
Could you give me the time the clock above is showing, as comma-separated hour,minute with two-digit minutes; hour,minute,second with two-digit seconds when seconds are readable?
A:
12,52
